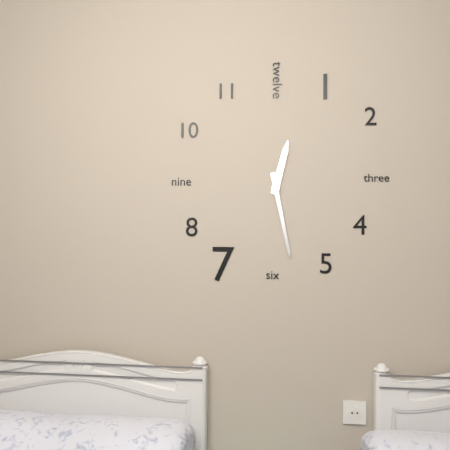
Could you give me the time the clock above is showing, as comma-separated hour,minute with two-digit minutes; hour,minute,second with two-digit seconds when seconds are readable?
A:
12,28
